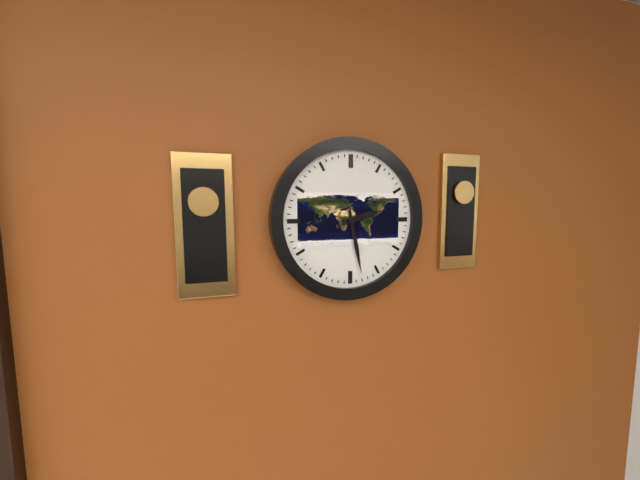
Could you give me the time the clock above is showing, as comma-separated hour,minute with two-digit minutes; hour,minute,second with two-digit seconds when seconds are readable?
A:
2,28
